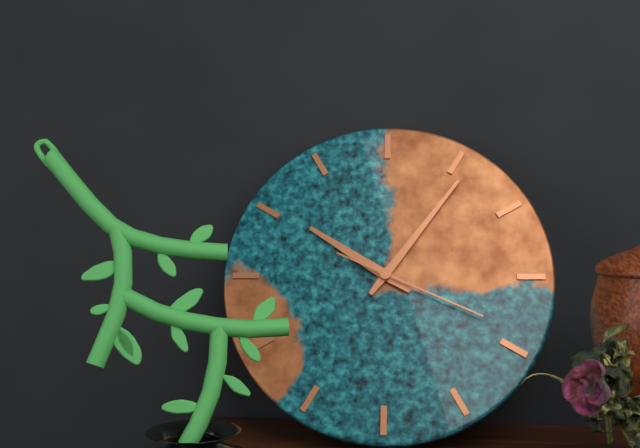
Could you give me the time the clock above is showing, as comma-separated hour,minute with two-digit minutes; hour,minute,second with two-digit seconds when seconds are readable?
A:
10,06,19
